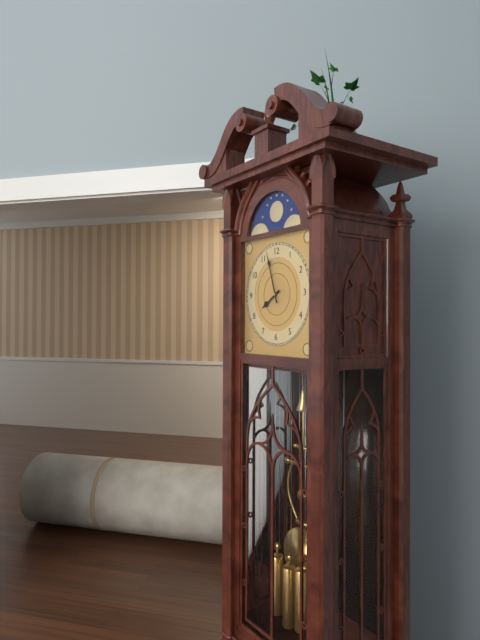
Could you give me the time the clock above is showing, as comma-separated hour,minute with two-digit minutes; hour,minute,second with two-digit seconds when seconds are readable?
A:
7,57
